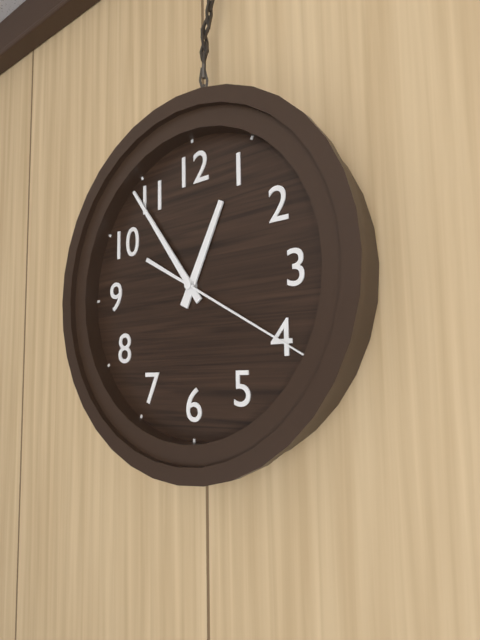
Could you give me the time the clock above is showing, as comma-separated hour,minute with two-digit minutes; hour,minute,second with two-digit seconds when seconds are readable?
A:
12,54,20
